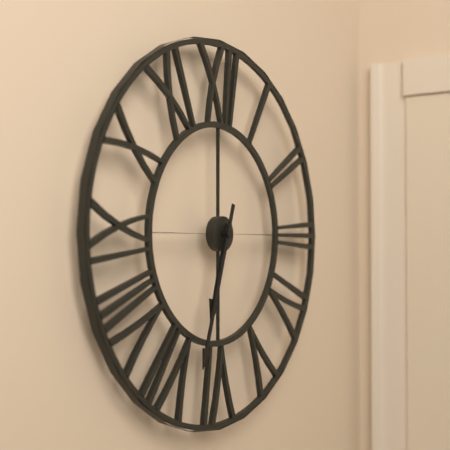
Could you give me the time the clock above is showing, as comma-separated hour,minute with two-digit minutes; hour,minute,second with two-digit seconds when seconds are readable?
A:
6,33
